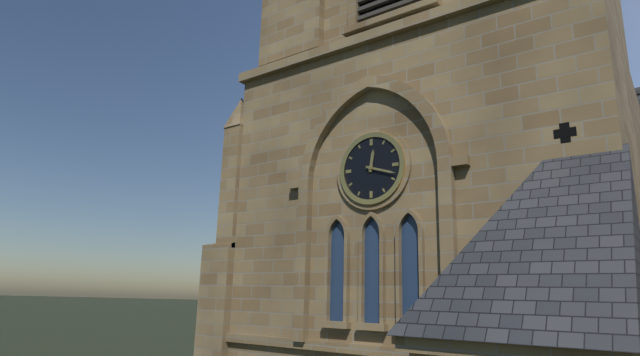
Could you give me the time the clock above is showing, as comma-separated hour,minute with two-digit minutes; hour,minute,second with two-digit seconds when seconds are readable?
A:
12,18
